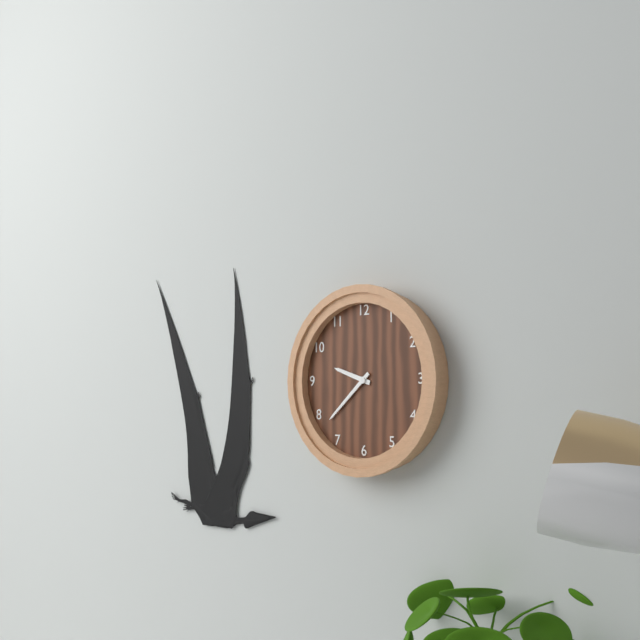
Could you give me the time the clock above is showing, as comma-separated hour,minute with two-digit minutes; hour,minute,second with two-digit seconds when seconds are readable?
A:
9,38
